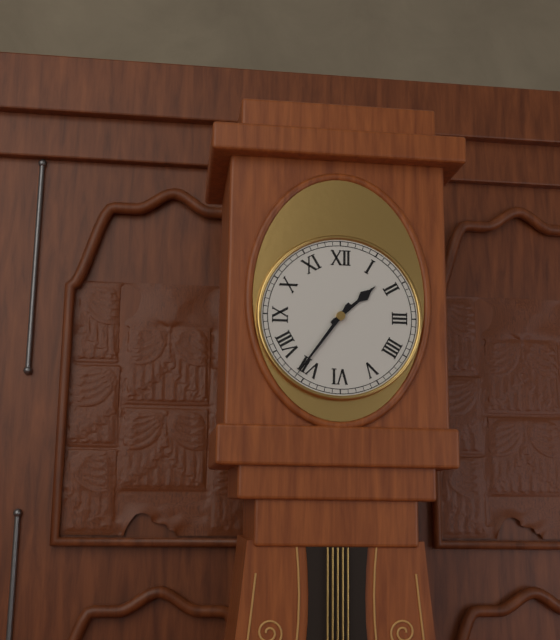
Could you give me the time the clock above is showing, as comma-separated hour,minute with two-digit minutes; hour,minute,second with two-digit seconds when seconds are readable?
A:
1,36
